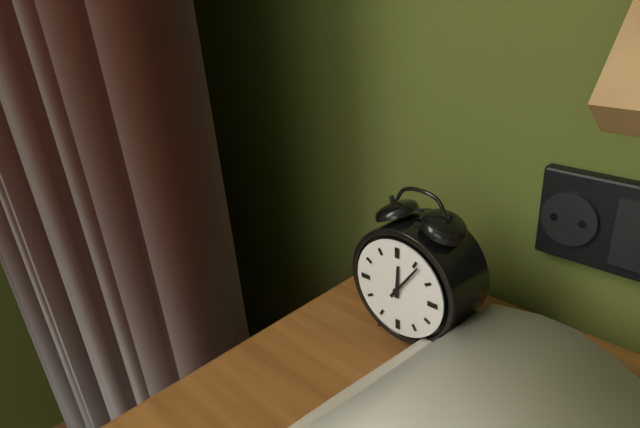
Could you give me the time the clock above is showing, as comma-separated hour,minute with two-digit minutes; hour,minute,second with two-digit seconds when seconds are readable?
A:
12,06
